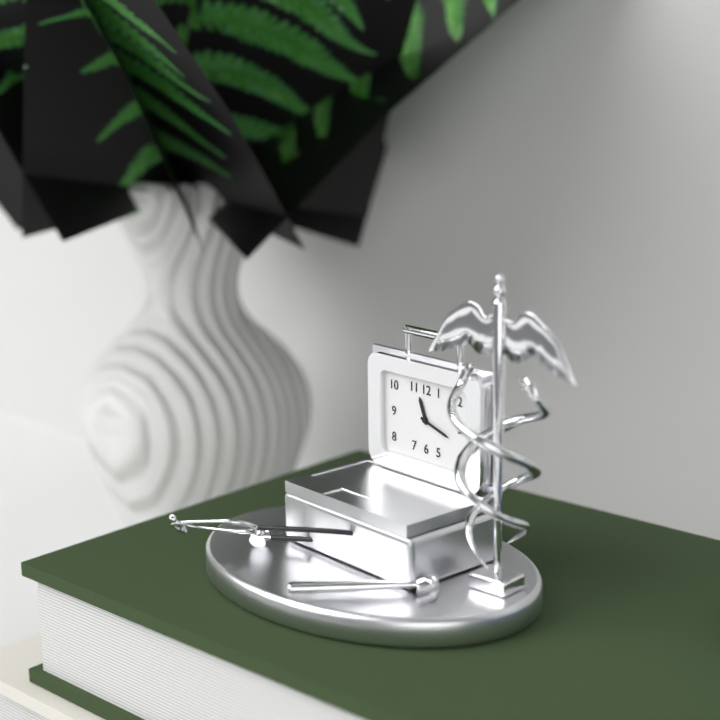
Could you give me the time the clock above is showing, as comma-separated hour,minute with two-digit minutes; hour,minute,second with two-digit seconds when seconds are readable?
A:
11,18
